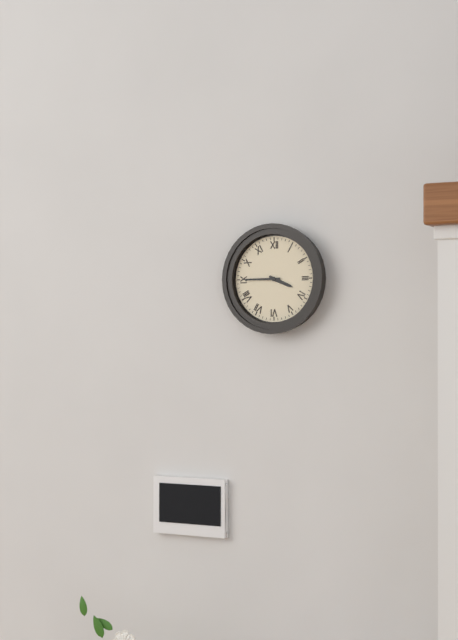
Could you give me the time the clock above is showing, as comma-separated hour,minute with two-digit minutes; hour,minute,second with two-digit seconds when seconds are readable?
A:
3,45
